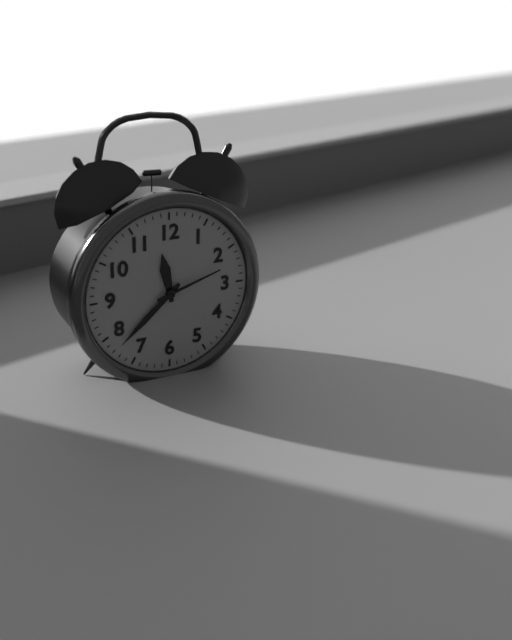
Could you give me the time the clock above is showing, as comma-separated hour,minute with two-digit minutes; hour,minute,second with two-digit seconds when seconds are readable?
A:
11,38,12
